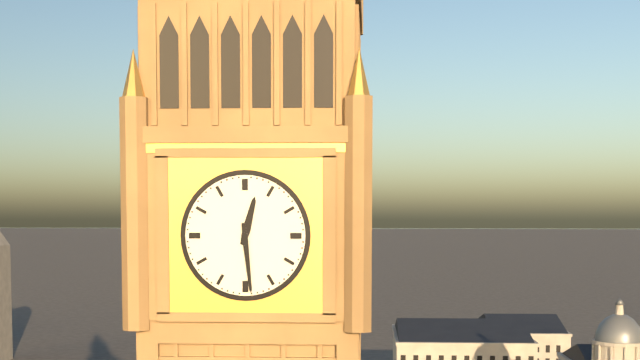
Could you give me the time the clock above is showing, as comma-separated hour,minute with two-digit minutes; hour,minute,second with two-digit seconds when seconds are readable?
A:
12,29
